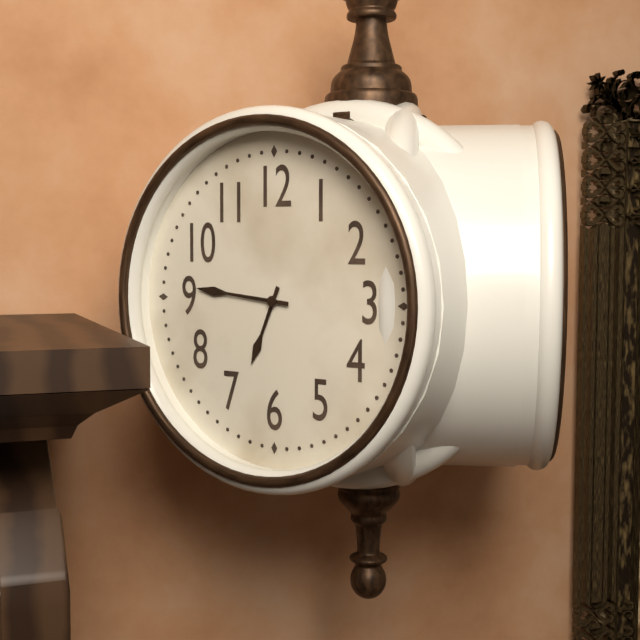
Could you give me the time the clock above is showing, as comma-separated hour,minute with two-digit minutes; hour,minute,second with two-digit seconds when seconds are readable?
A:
6,46
